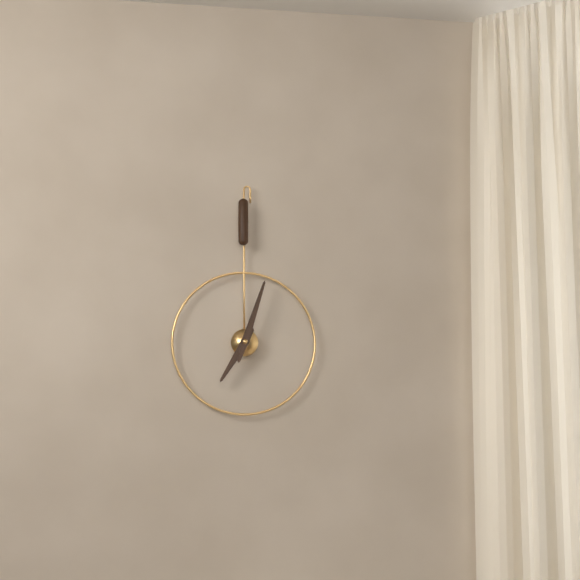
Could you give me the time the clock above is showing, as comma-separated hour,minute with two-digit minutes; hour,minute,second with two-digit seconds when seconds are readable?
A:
7,03
